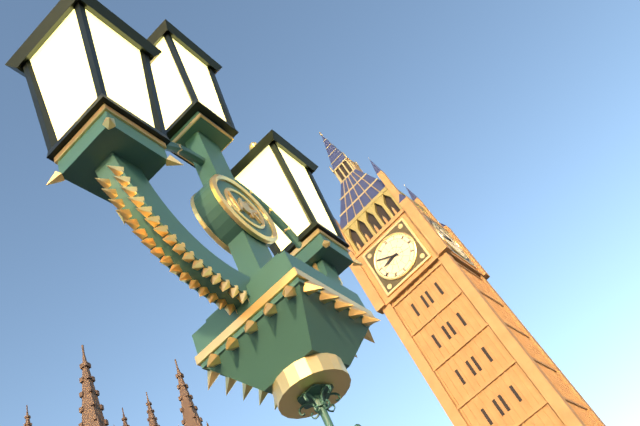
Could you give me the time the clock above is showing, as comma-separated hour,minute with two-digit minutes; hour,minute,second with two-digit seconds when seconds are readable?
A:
8,50
